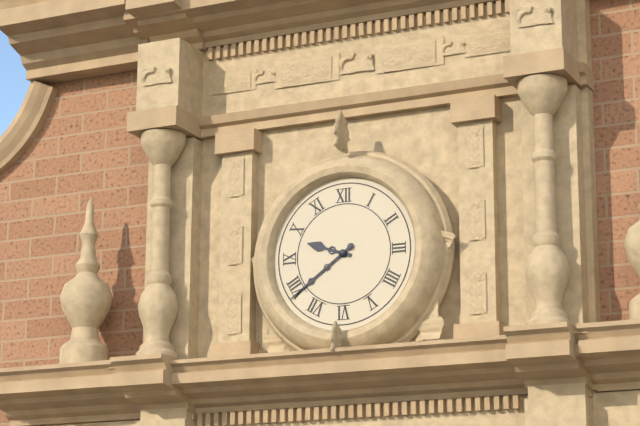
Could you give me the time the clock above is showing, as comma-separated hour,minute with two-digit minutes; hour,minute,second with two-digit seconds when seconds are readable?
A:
9,39
